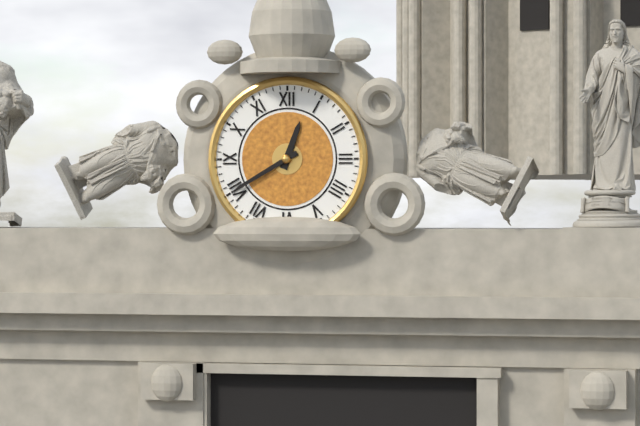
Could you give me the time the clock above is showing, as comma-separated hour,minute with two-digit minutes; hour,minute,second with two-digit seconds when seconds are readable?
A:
12,40
